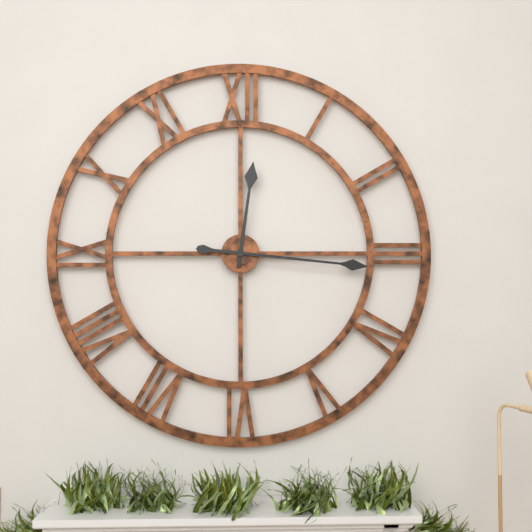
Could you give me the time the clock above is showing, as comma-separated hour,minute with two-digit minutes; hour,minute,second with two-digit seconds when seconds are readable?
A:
12,16
